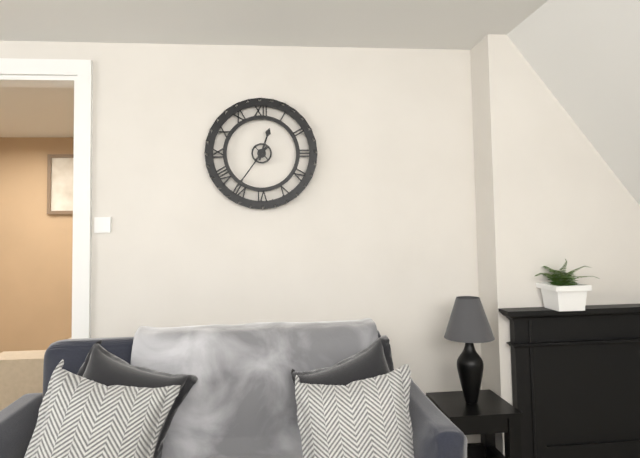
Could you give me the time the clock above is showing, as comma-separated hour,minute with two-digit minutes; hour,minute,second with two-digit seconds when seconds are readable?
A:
12,36
